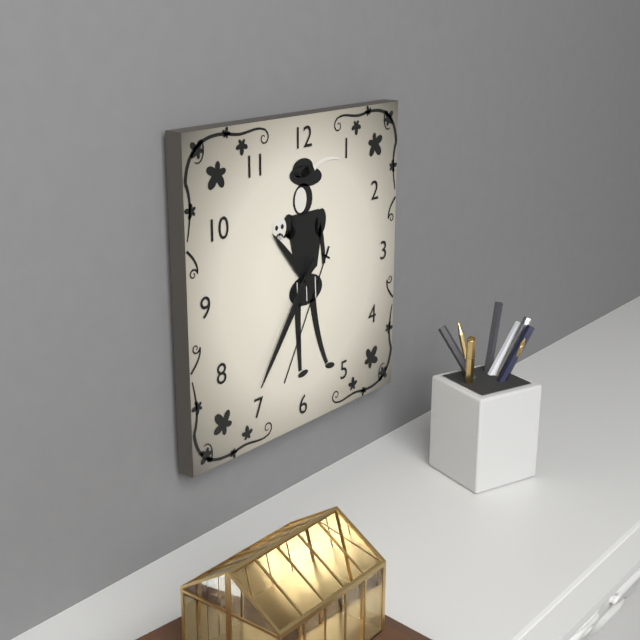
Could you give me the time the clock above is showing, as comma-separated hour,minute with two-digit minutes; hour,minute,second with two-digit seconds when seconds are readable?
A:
10,36
